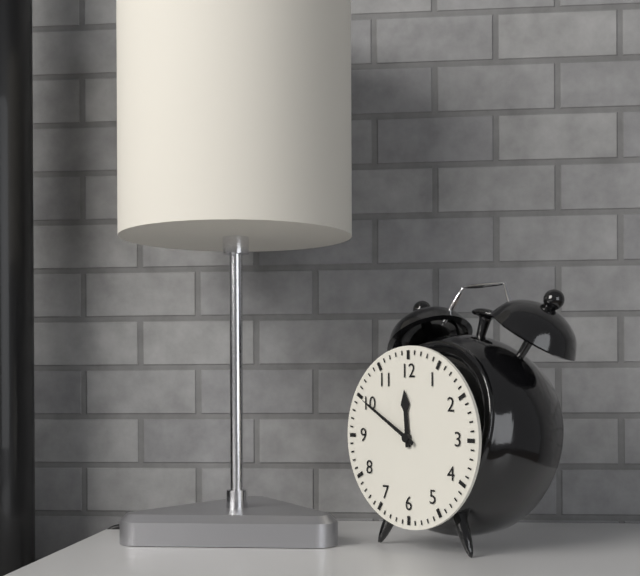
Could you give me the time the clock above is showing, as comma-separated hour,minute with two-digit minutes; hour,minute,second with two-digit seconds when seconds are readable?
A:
11,50
